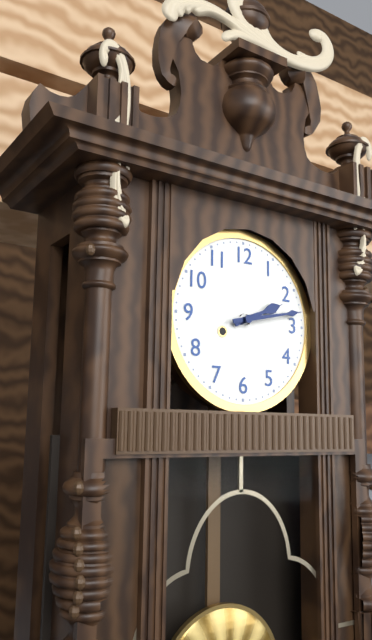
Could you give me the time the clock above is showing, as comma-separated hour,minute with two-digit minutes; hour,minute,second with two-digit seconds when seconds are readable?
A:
2,13
